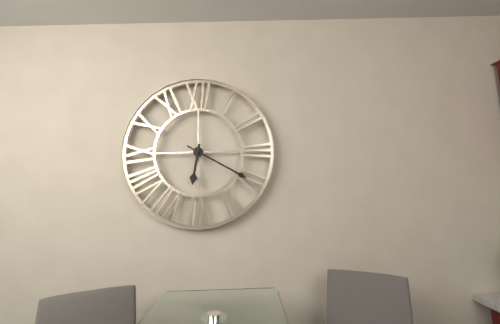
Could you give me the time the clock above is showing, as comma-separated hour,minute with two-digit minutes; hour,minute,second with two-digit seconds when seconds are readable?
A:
6,20
